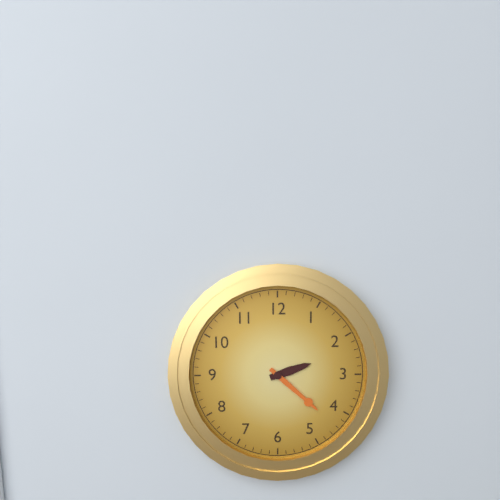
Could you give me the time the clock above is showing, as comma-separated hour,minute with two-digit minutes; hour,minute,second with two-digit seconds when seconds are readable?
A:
2,22
